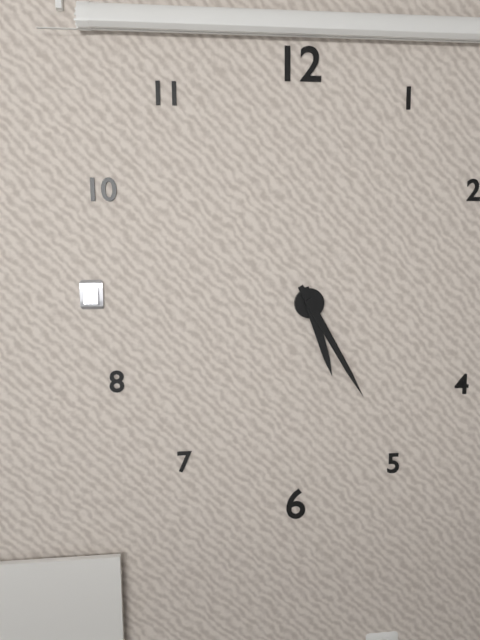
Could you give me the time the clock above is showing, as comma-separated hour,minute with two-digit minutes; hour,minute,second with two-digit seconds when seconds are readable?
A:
5,25
